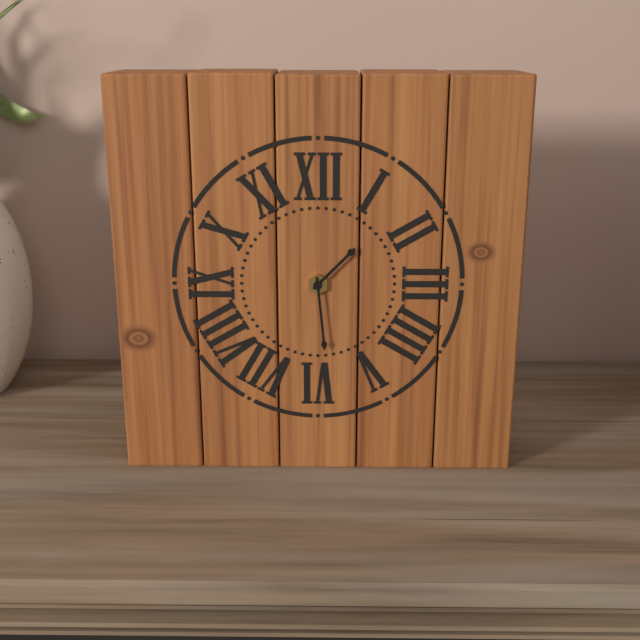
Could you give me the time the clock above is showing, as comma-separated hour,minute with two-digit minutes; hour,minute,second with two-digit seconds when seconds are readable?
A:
1,29
